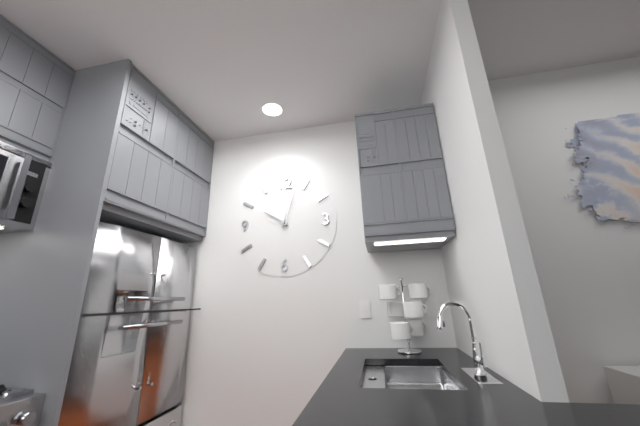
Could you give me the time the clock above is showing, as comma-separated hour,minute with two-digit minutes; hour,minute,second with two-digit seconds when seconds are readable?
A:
10,03
